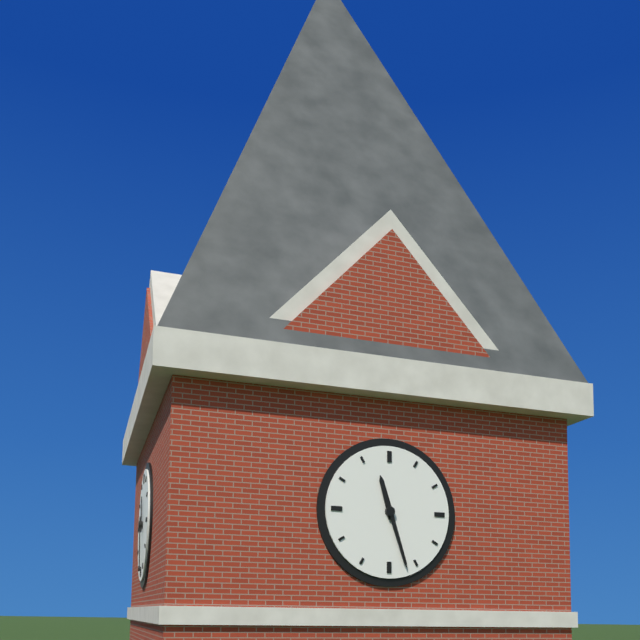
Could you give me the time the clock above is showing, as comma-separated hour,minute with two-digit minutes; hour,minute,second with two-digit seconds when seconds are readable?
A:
11,27
